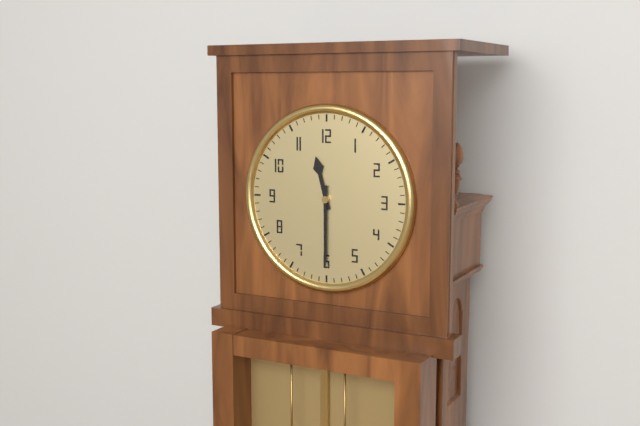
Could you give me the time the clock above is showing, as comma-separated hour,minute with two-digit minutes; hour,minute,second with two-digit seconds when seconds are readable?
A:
11,30
